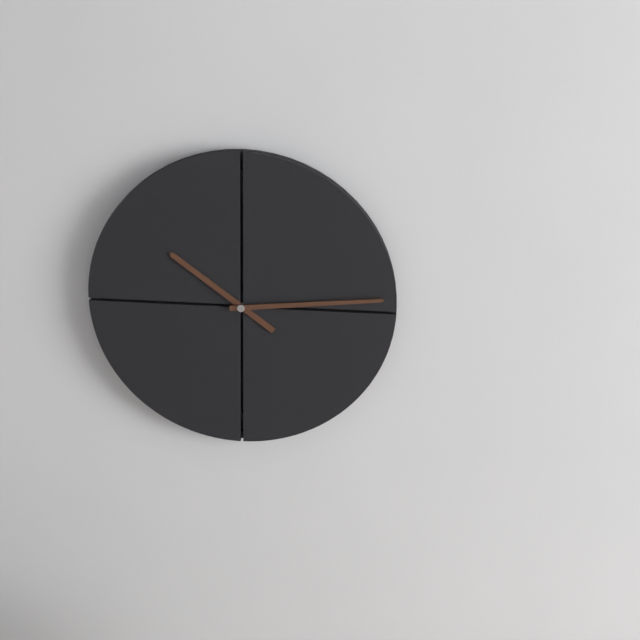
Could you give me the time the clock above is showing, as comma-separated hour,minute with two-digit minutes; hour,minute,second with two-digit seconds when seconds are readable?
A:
10,14
